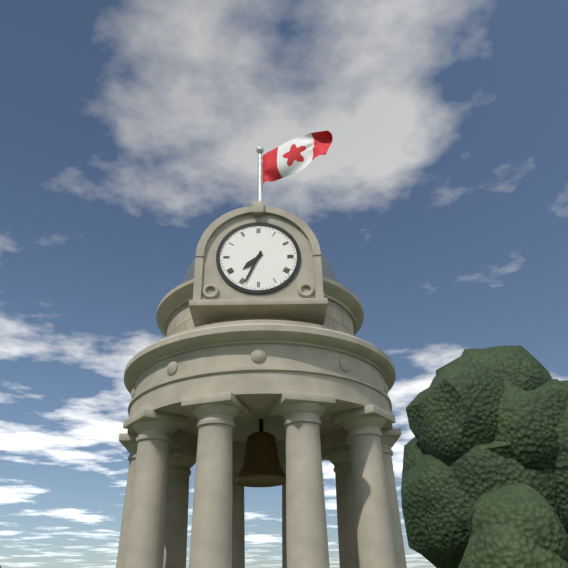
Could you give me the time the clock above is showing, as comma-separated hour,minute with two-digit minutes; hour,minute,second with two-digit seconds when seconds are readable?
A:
7,34
